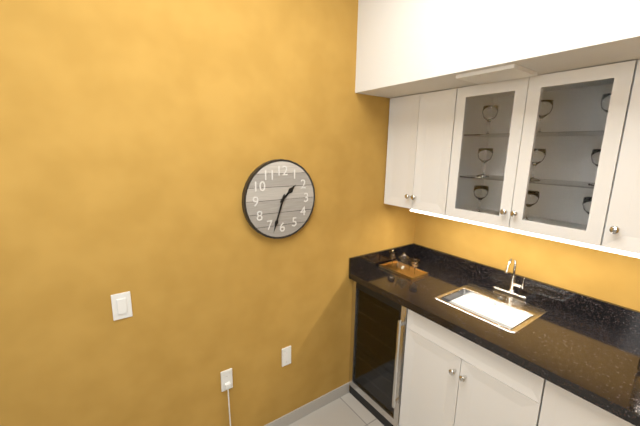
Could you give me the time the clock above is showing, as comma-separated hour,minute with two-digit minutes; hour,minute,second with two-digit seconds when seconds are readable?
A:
1,33
